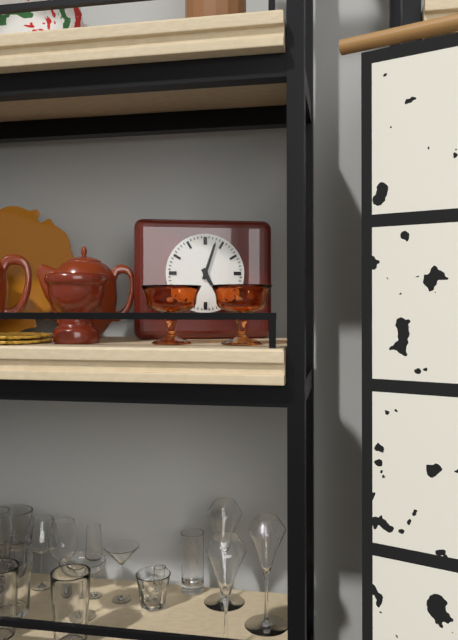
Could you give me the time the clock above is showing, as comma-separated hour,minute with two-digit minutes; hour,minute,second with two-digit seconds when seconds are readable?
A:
5,03
